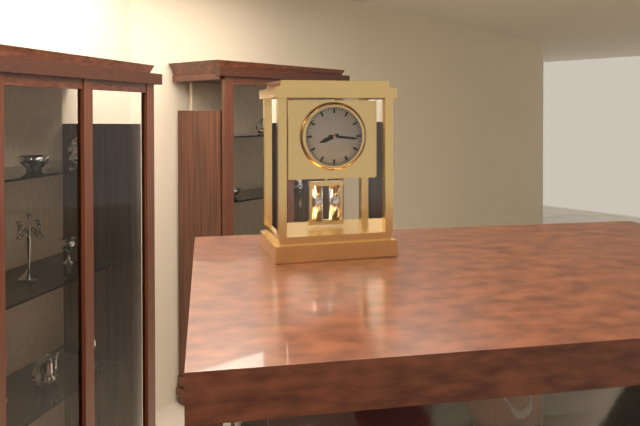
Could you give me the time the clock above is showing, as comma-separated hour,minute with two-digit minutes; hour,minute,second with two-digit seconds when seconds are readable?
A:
8,16
